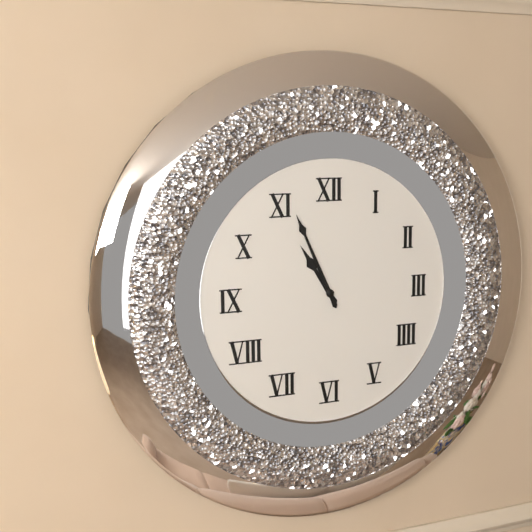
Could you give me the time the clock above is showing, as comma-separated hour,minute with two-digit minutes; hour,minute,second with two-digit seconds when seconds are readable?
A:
10,56
